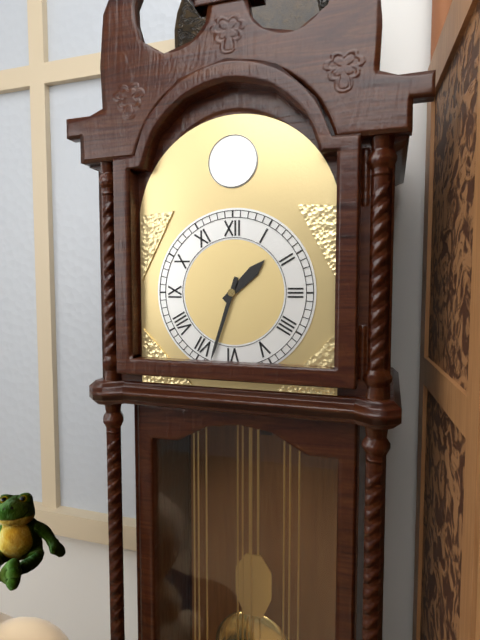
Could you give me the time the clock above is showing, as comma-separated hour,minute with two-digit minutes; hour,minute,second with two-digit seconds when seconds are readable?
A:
1,33
